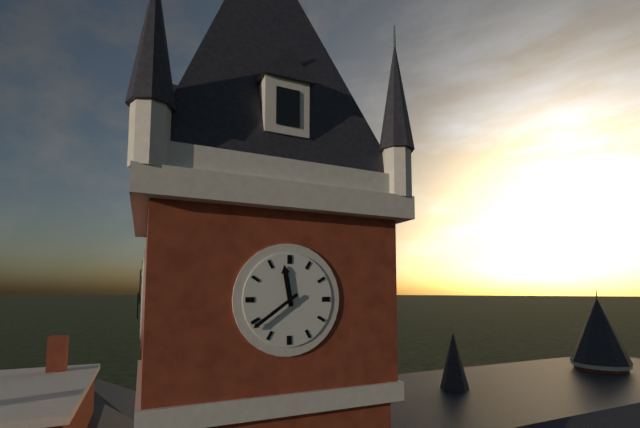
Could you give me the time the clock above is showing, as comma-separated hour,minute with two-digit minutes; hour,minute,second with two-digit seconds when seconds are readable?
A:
11,39
